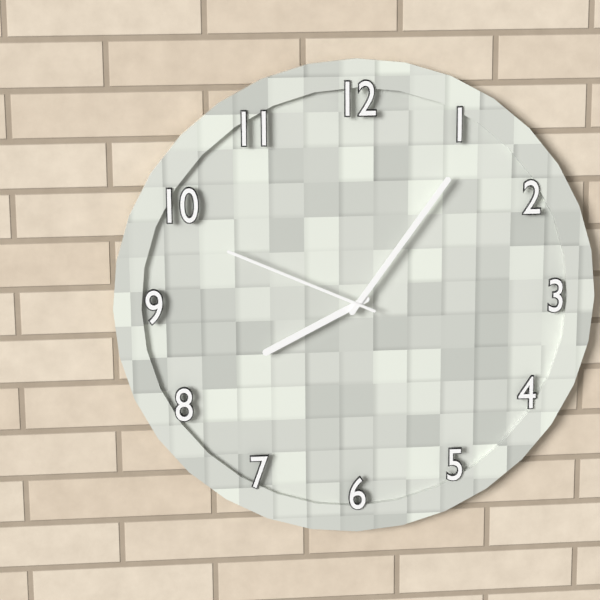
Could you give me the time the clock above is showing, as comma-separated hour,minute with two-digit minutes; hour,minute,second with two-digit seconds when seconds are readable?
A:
8,06,49
